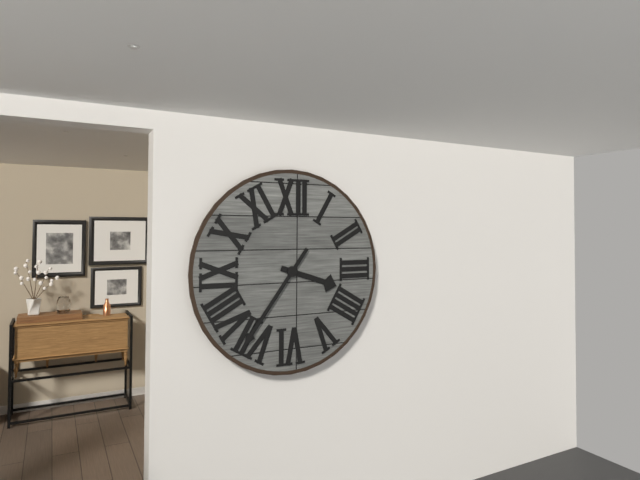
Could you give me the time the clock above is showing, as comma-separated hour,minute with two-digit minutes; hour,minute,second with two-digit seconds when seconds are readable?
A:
3,36
